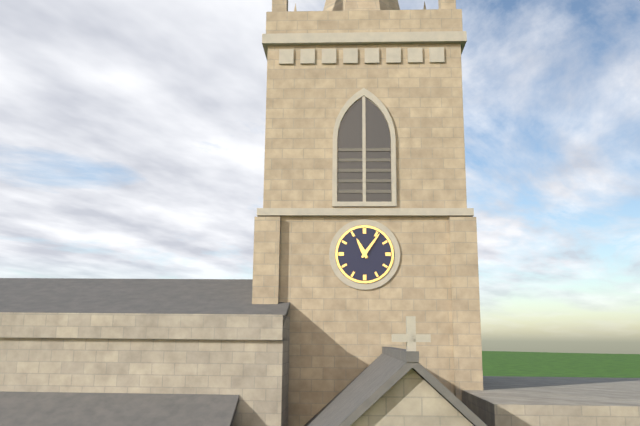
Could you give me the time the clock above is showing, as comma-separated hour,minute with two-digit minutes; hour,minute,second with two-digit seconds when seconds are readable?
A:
11,06
